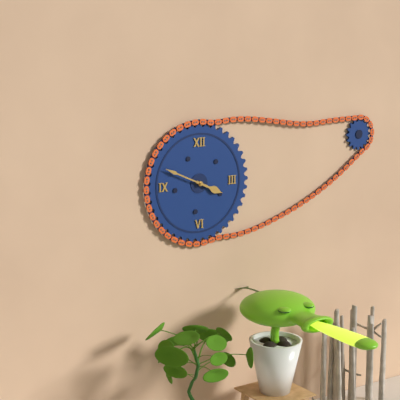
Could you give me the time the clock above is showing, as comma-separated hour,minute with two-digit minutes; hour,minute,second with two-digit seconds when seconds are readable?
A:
3,49
